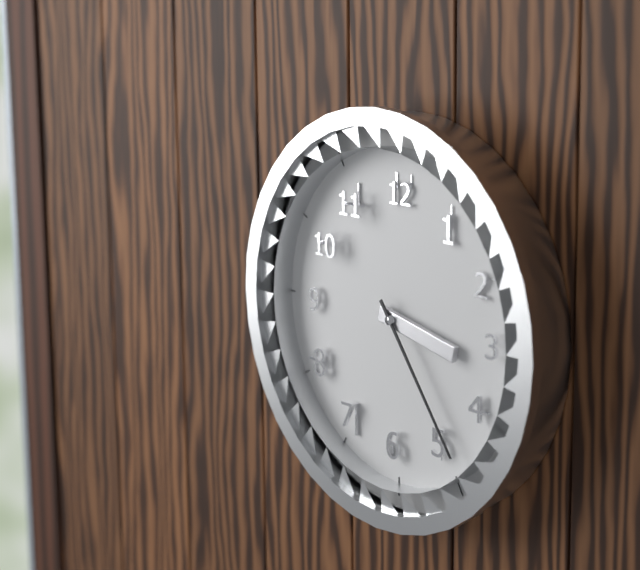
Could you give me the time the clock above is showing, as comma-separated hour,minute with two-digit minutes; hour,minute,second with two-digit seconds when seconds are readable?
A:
3,24
